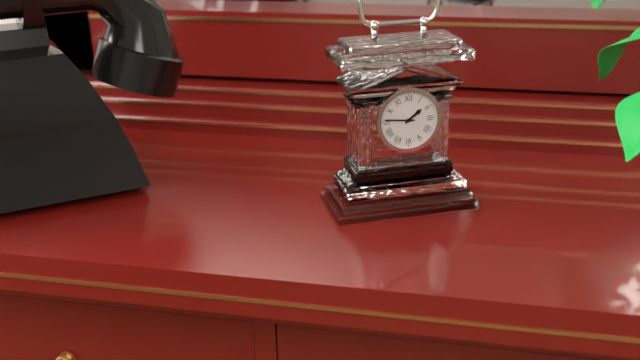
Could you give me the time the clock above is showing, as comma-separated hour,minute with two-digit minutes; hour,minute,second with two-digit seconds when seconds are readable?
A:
1,46
